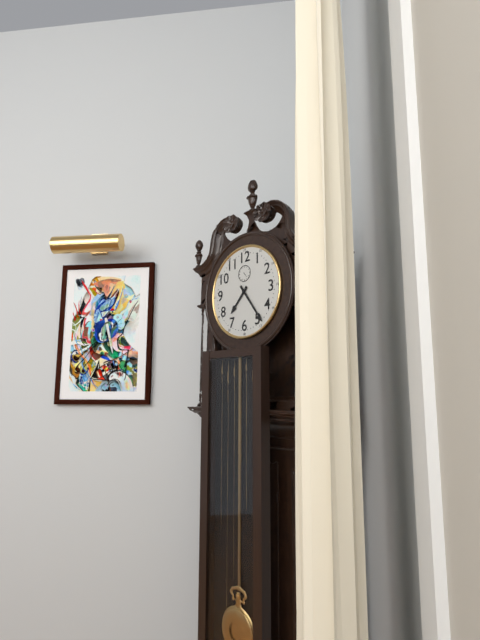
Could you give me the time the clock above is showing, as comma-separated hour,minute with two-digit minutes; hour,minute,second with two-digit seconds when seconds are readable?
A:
7,24
